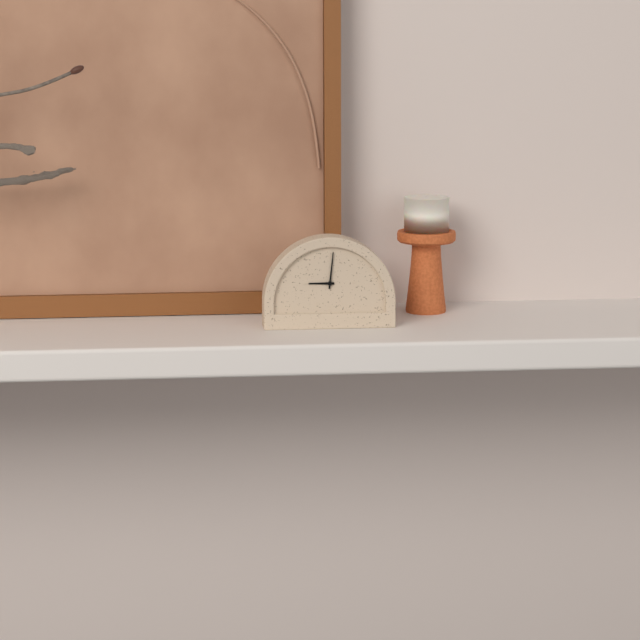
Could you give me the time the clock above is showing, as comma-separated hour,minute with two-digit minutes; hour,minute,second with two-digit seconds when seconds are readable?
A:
9,01
